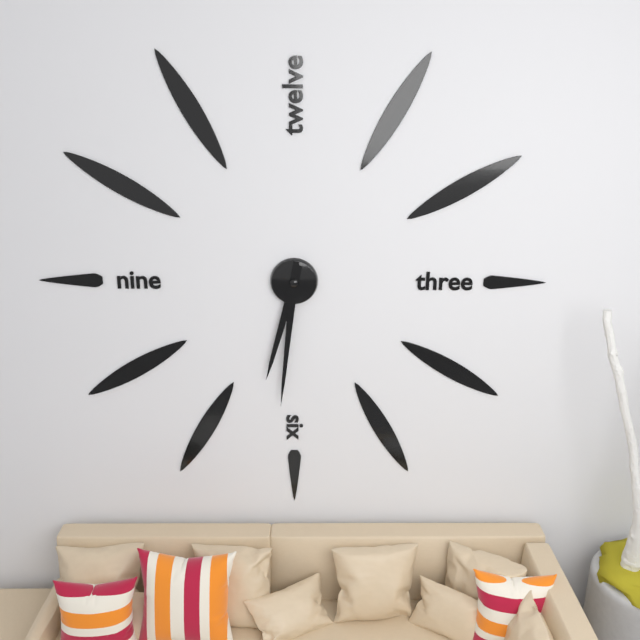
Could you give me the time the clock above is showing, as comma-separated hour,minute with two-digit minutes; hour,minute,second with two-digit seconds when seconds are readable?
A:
6,31
